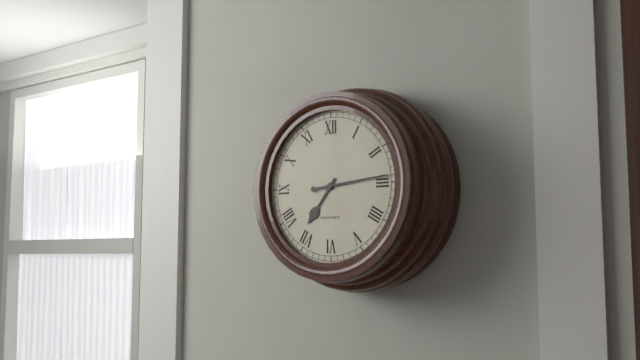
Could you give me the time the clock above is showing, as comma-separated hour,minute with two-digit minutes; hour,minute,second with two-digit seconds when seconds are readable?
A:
7,14
